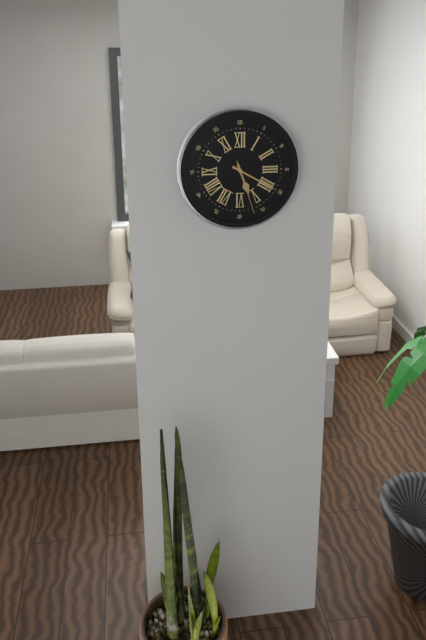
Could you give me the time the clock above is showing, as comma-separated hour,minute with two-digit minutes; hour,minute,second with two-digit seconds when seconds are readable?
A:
5,20,27
